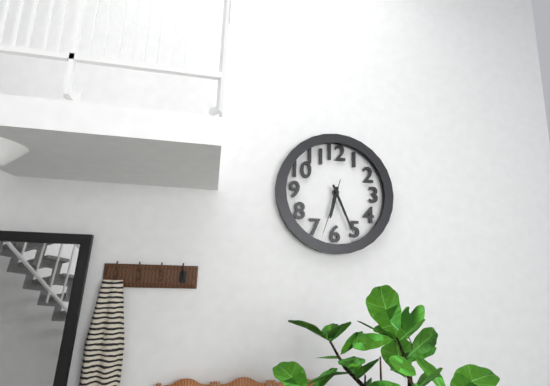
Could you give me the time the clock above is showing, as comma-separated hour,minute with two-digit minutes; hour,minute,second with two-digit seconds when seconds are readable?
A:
6,26,33
